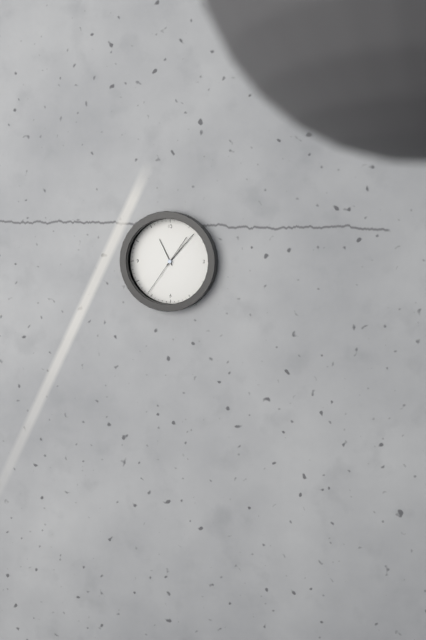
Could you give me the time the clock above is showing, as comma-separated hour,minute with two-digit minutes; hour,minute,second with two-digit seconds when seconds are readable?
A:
11,07
